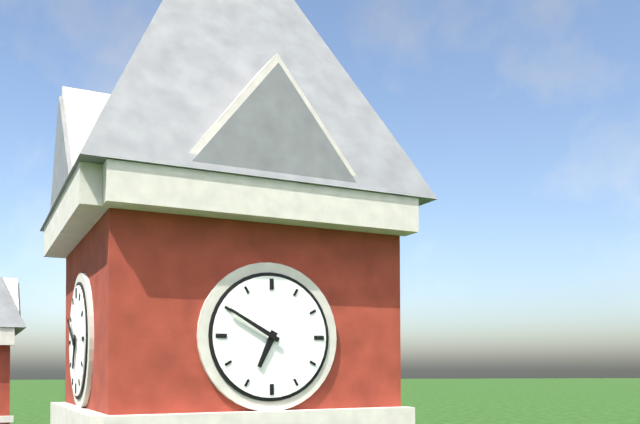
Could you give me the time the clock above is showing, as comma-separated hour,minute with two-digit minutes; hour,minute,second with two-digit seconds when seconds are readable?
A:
6,50
